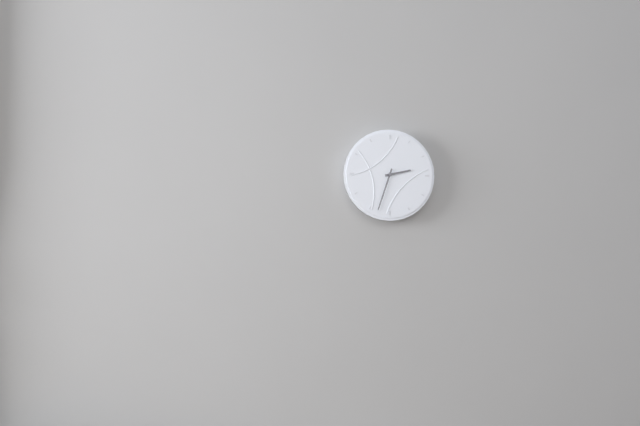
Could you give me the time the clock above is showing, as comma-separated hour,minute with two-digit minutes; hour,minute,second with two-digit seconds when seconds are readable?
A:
2,33
